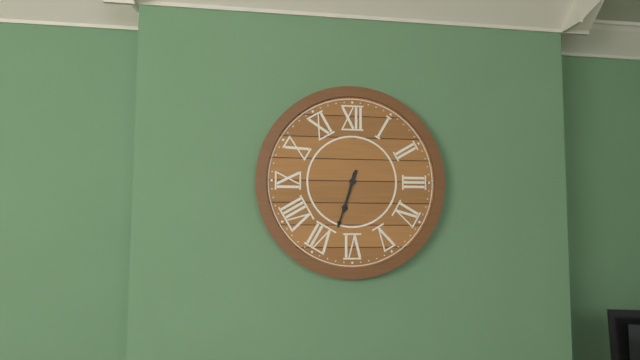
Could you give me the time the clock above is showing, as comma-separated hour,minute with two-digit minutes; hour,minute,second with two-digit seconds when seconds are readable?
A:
6,33
